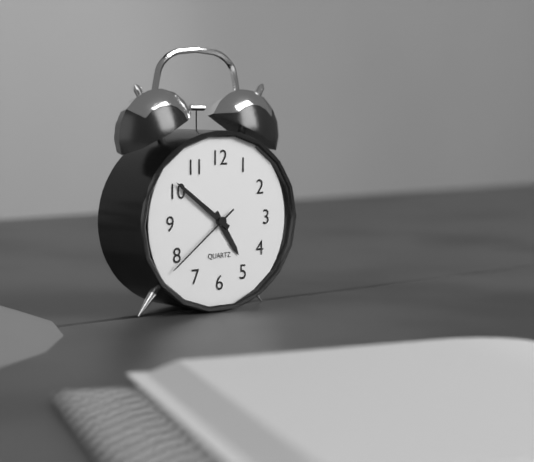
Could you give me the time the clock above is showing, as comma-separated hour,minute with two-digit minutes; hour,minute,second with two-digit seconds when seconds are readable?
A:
4,51,39
